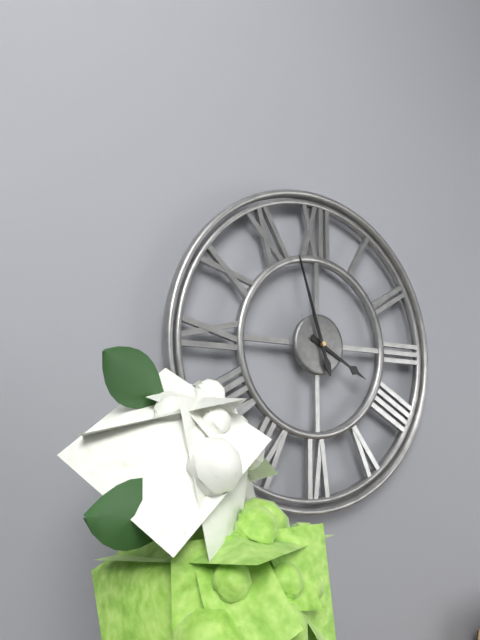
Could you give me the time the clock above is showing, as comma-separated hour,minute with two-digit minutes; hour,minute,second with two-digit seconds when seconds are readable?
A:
3,57
